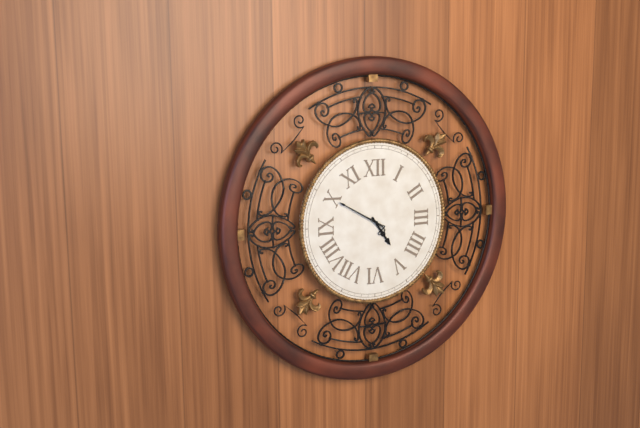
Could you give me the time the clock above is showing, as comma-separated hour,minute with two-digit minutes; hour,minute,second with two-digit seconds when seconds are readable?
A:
4,50
